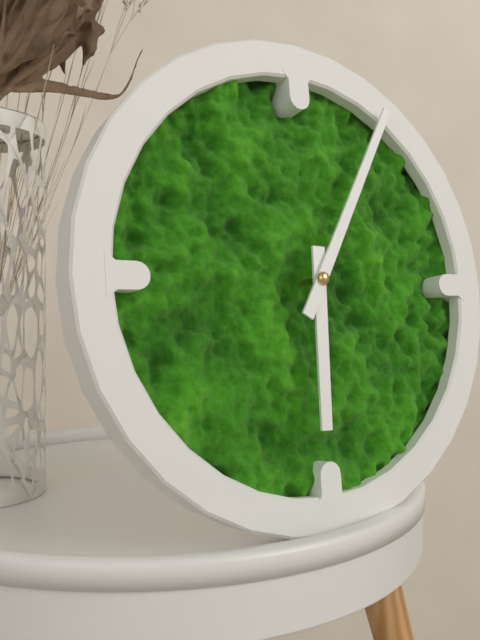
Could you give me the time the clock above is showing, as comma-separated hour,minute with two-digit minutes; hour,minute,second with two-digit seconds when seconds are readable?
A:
6,05
